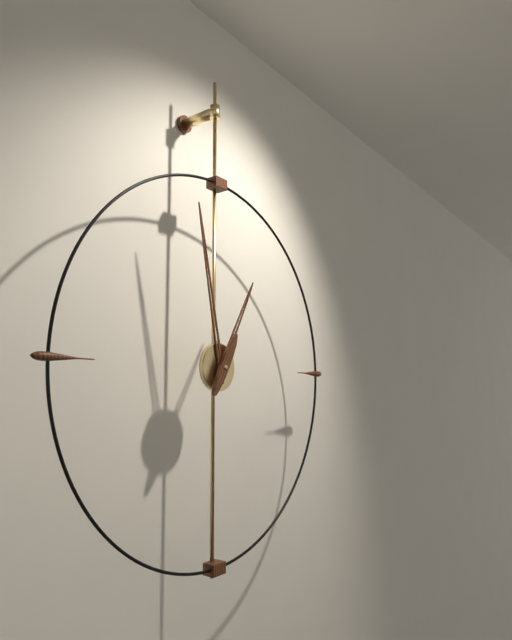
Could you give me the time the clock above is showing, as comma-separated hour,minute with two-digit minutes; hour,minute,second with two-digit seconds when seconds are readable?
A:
12,58
